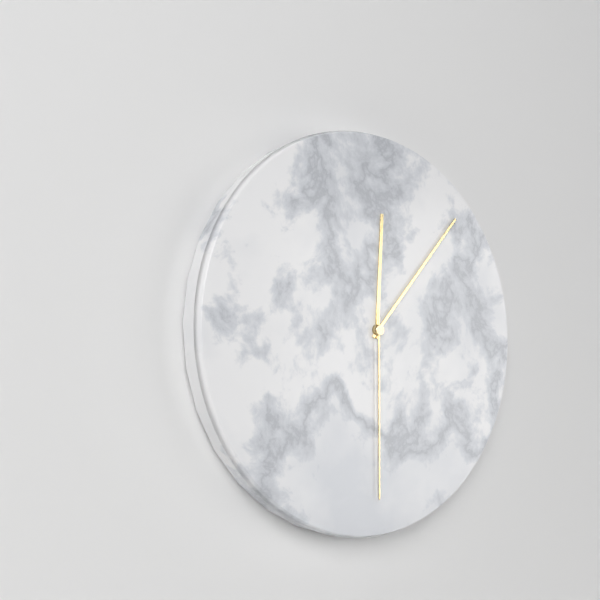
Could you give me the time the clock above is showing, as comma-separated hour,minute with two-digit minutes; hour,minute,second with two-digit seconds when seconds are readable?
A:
12,07,30
